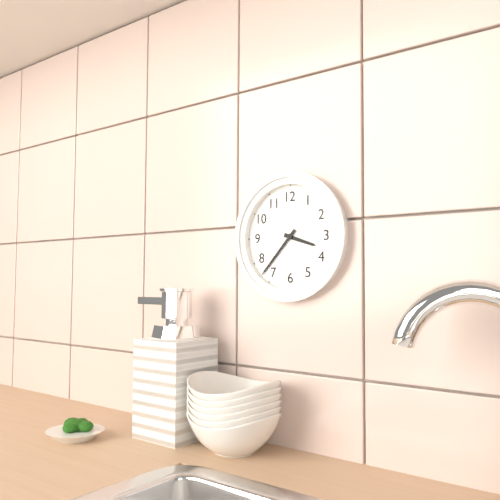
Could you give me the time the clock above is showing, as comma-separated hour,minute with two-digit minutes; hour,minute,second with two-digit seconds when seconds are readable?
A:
3,37
